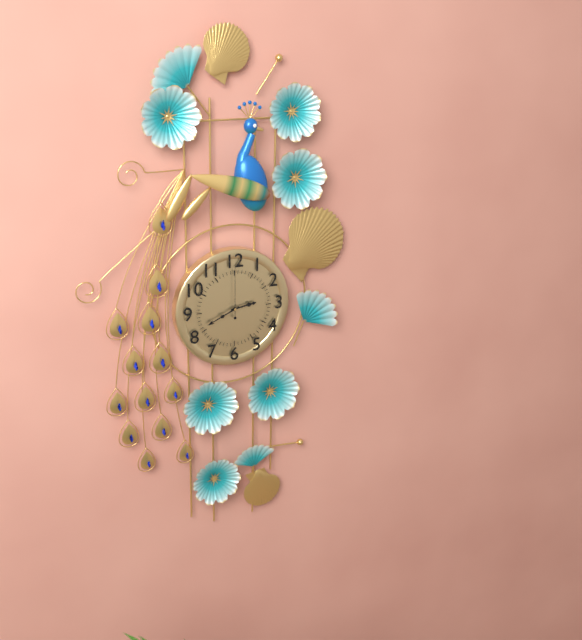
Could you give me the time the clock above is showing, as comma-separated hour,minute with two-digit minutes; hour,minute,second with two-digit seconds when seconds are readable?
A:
2,41,00
